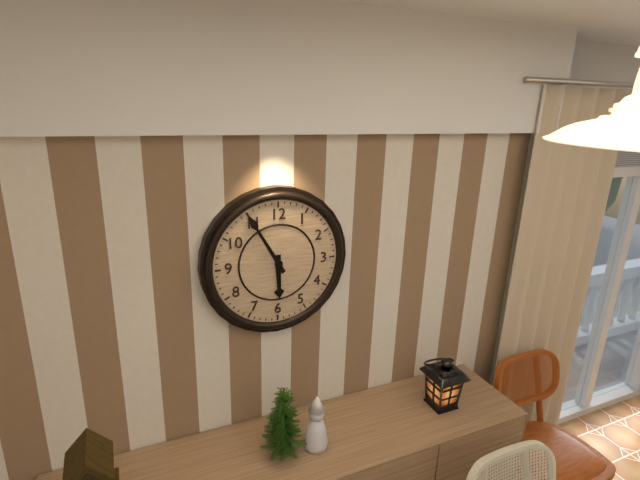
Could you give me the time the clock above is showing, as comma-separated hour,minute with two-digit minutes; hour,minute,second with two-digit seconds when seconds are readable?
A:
5,55
